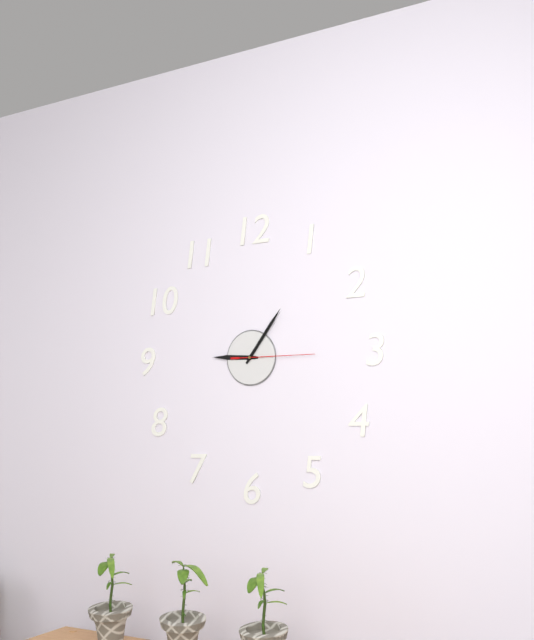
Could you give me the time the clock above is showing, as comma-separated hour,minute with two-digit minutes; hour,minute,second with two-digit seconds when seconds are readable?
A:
9,06,15
